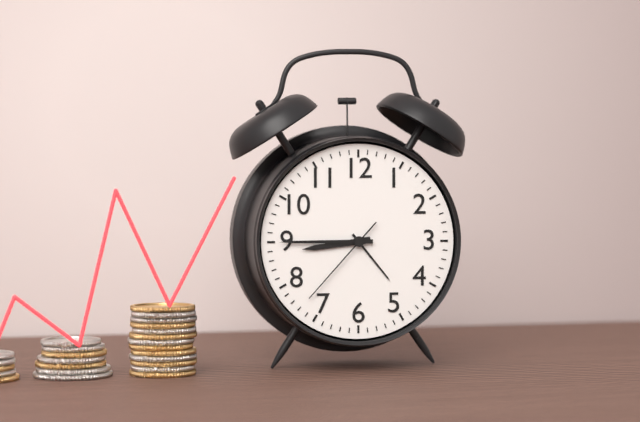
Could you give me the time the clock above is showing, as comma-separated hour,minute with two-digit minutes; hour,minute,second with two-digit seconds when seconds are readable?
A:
8,45,37
